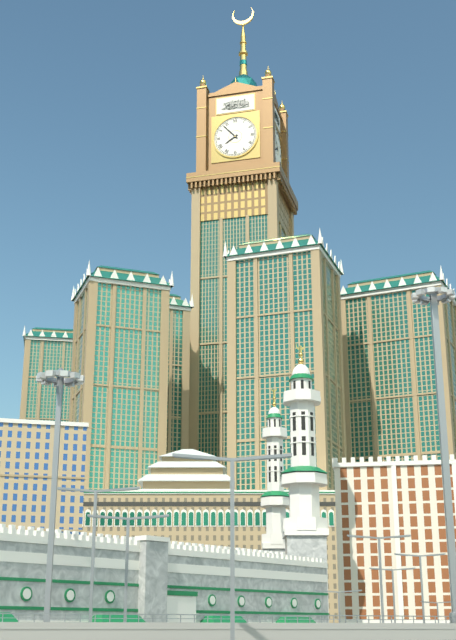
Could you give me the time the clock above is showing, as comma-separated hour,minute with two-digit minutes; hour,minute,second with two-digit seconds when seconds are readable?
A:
7,53
